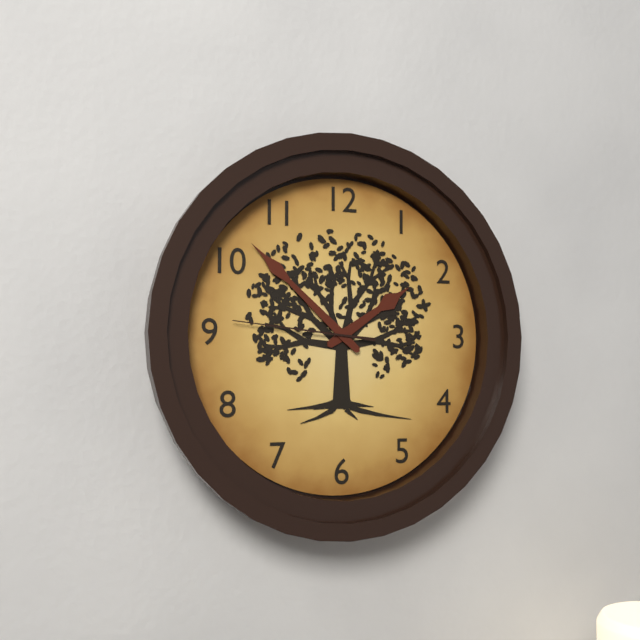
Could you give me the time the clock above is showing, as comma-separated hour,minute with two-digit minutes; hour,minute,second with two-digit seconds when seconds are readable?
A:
1,52,46
